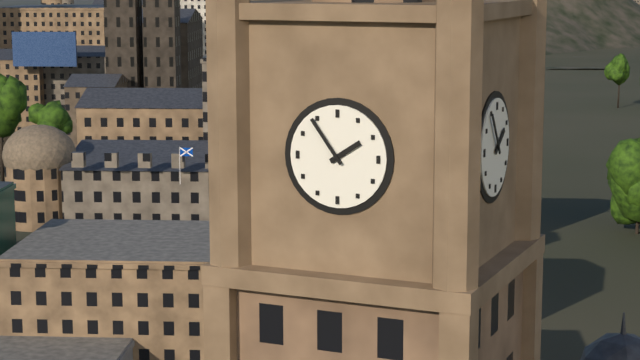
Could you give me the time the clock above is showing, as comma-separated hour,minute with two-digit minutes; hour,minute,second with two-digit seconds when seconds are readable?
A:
1,54
